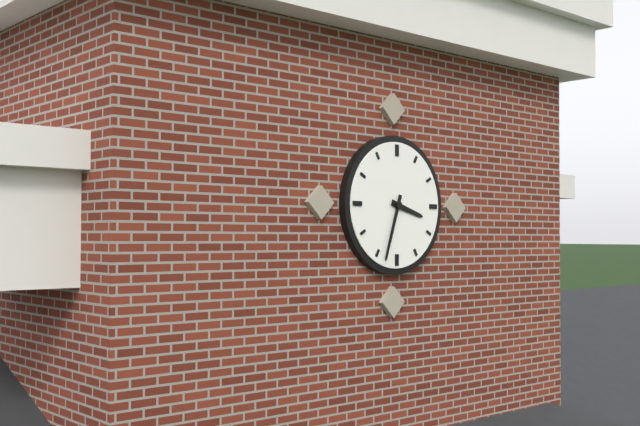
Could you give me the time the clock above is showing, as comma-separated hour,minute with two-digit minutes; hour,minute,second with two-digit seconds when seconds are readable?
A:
3,33
